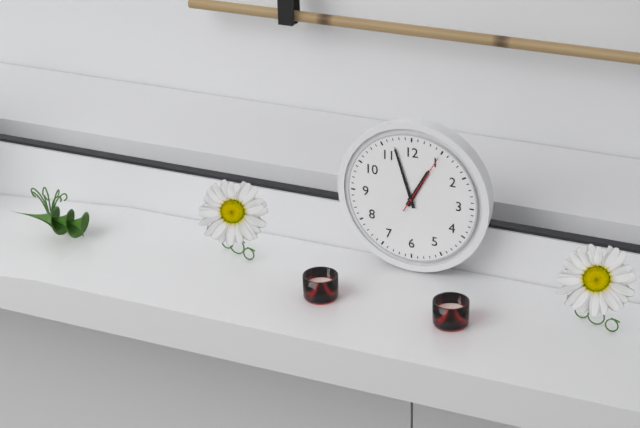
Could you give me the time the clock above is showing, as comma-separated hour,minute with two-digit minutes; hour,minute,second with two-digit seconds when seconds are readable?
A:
12,57,05
